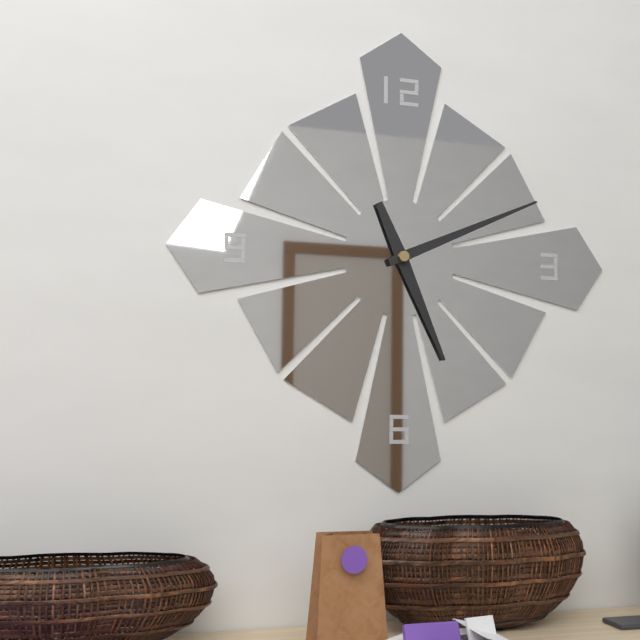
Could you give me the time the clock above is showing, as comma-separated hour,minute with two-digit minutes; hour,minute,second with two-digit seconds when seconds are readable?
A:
5,11
